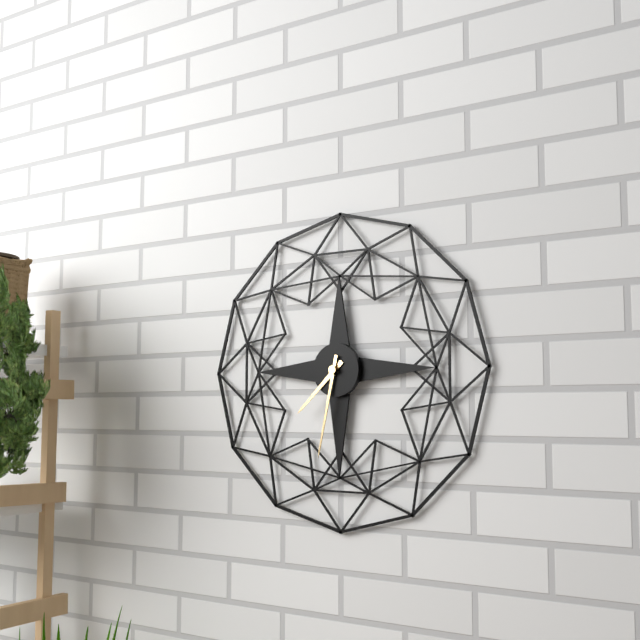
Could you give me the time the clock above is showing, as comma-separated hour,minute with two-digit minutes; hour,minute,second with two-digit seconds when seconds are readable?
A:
7,32
